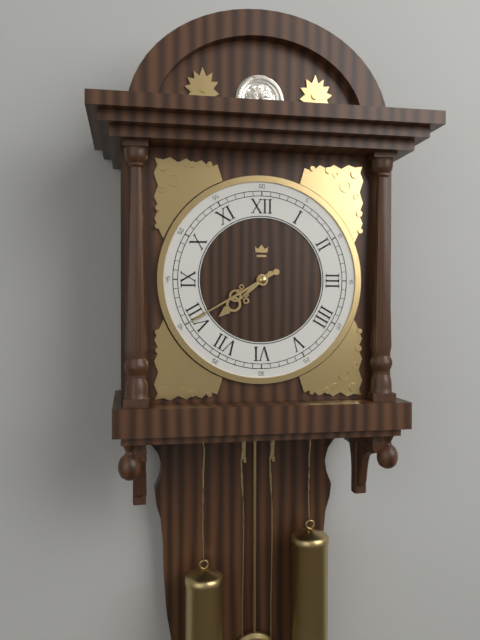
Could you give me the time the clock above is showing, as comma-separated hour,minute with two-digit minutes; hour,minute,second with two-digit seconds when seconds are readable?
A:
7,40
